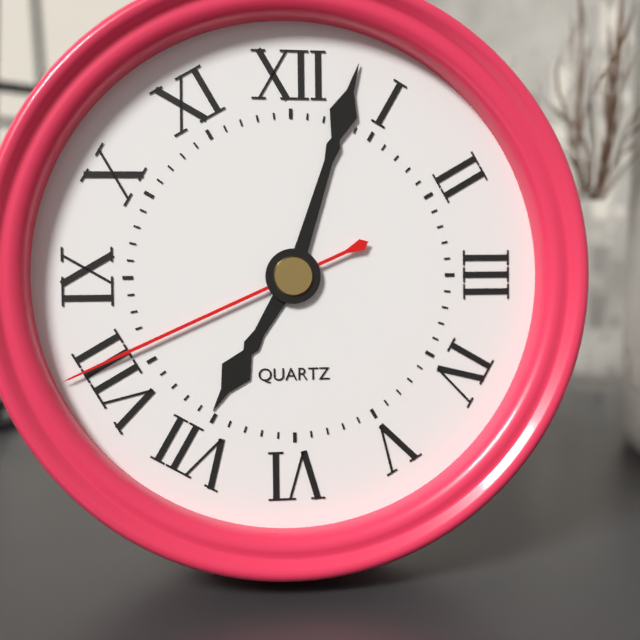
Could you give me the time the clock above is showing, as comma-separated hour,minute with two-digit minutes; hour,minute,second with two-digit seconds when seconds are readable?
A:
7,03,41
